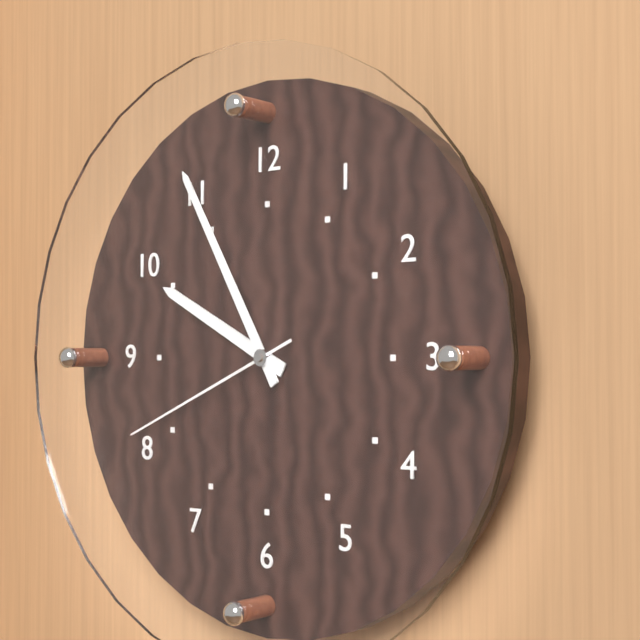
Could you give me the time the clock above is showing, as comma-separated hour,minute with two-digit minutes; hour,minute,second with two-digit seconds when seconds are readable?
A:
9,55,41
